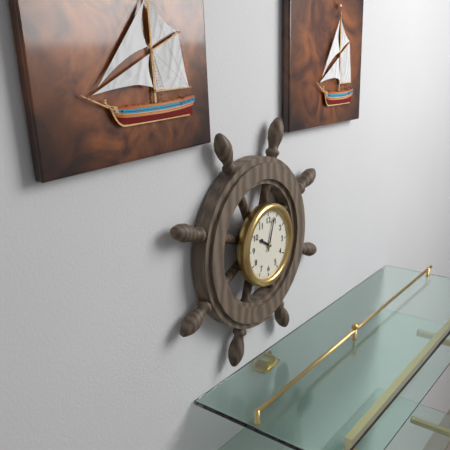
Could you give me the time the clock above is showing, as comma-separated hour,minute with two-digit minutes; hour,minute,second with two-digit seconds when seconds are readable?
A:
10,03
